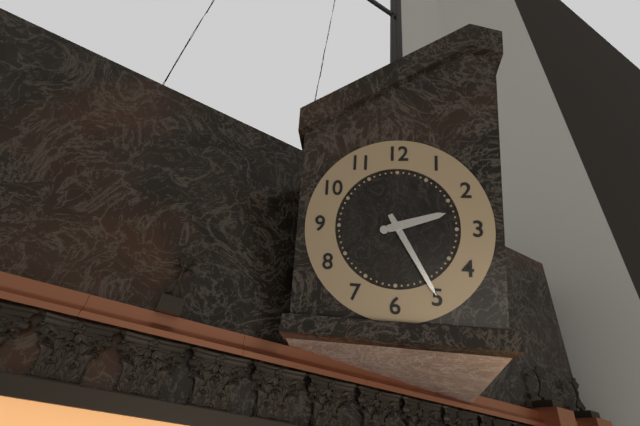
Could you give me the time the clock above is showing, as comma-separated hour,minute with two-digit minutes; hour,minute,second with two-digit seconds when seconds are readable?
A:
2,25
